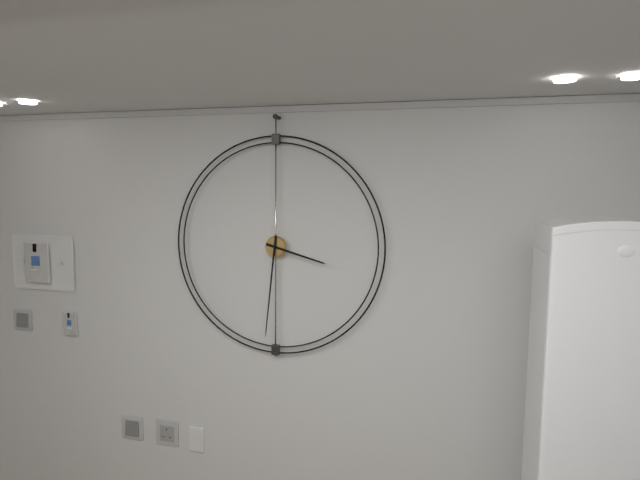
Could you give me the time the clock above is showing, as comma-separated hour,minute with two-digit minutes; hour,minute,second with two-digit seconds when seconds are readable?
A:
3,31
